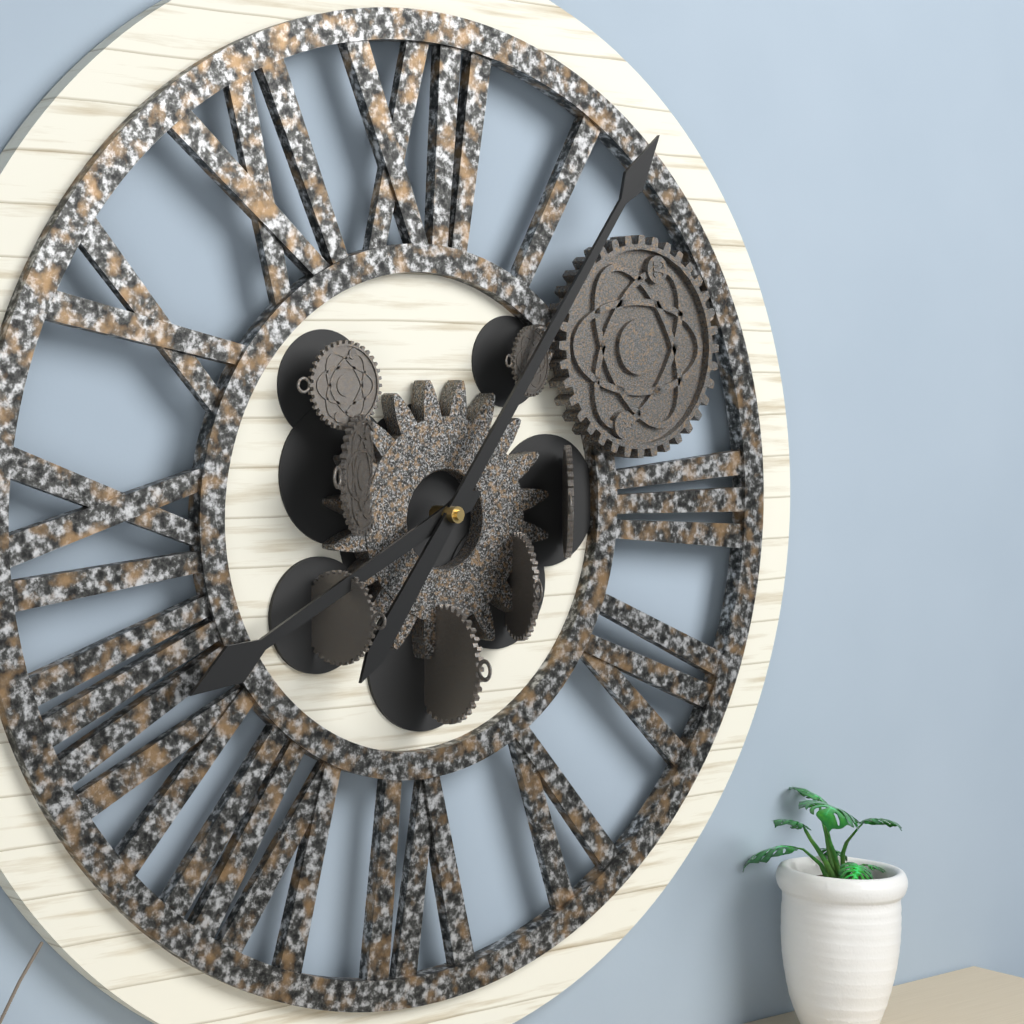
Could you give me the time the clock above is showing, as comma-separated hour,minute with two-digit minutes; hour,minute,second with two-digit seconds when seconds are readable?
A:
8,06
